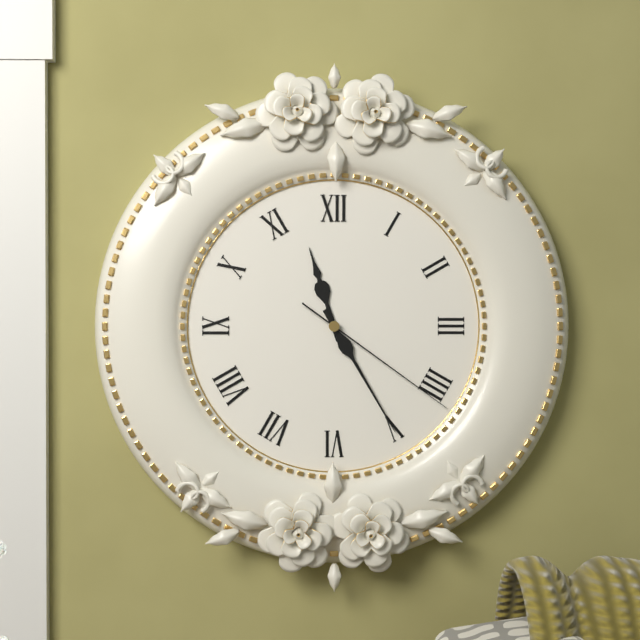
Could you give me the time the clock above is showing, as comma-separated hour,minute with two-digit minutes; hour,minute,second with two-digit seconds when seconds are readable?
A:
11,25,21
